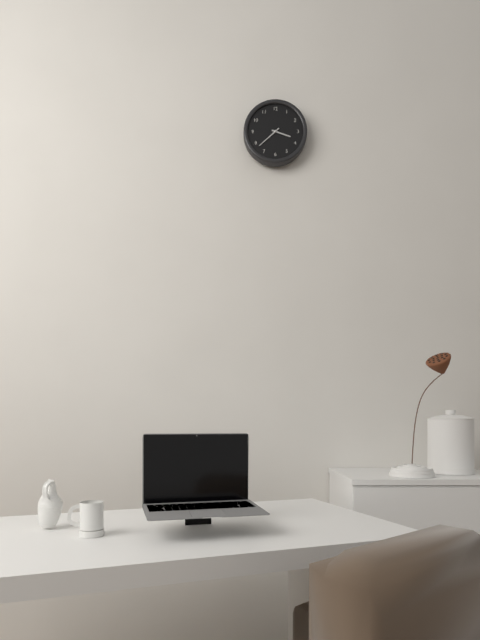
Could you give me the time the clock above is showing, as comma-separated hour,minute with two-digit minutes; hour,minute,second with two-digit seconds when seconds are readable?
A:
3,38
